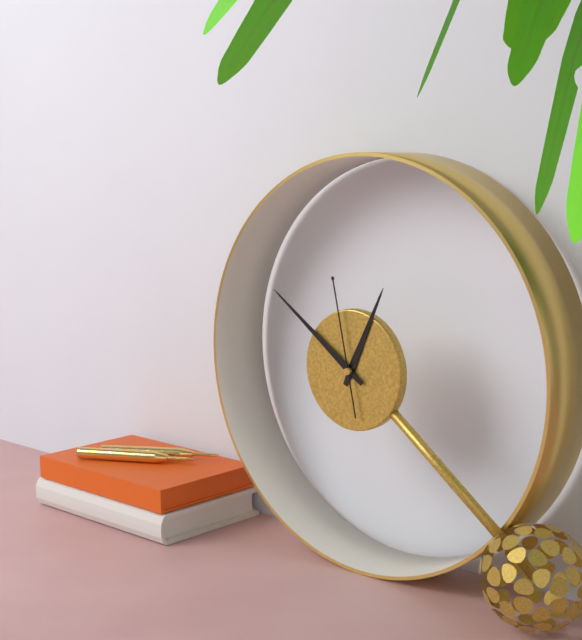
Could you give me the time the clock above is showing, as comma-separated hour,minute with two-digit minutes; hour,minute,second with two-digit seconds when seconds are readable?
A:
12,51,58
